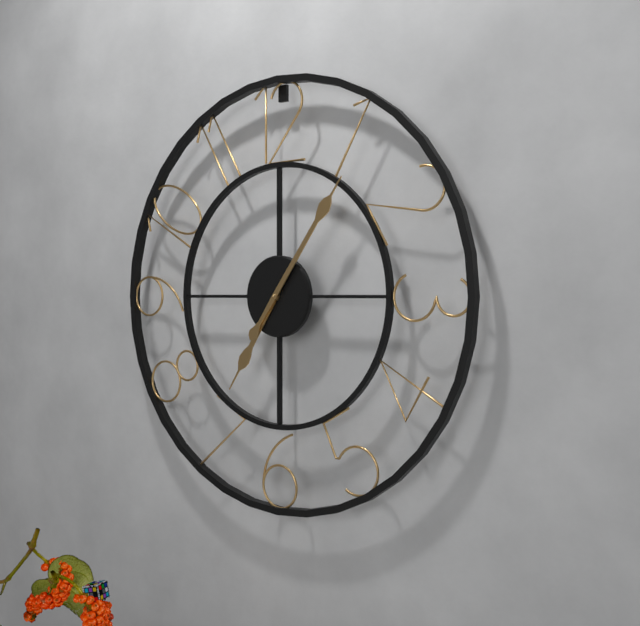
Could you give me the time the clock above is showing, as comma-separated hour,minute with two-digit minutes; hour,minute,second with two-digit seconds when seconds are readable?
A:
7,06
